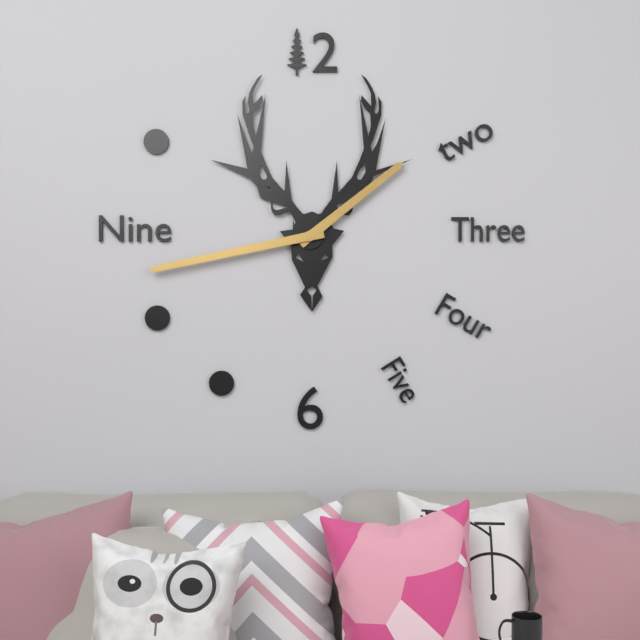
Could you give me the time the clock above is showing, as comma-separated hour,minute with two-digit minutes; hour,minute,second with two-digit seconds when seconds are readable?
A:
1,43
